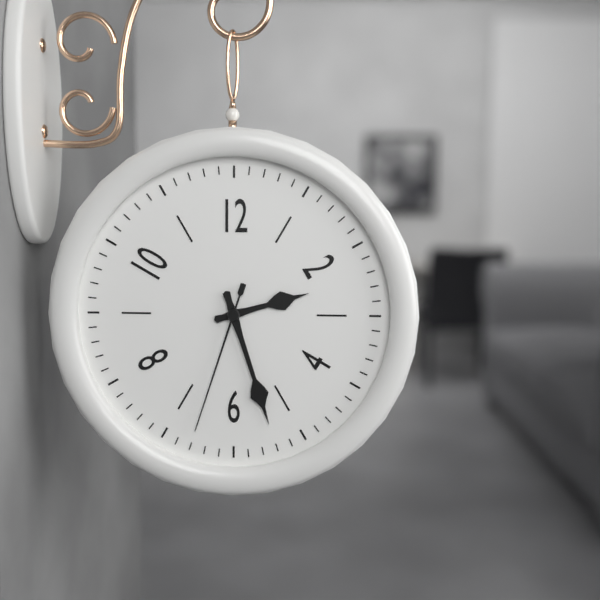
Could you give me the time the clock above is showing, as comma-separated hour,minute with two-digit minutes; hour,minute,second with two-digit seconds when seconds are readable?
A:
2,27,33
